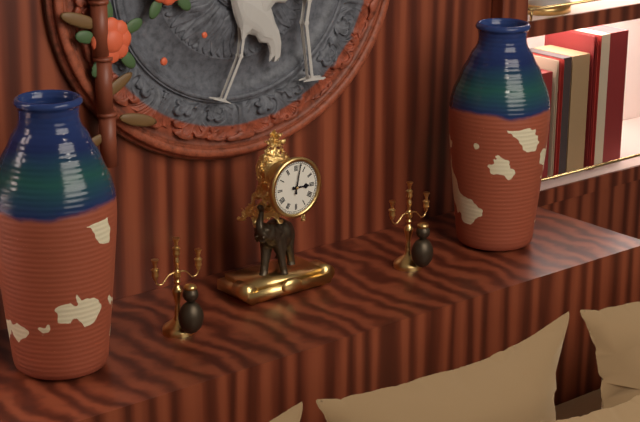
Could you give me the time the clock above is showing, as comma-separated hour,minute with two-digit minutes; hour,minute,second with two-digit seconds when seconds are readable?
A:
3,02
